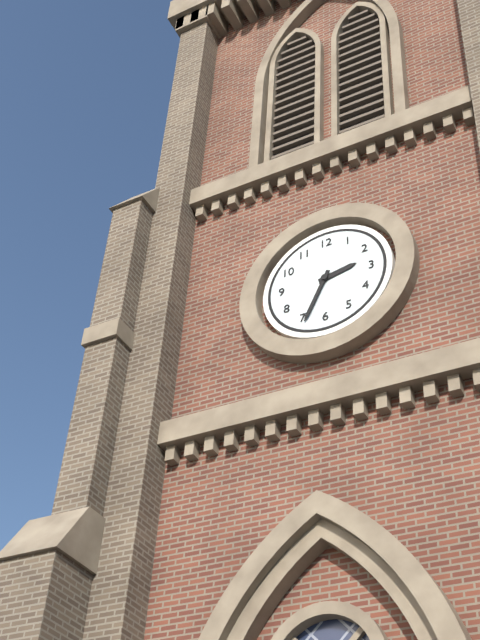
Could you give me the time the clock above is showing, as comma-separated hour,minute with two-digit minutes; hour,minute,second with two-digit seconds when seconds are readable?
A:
2,34
